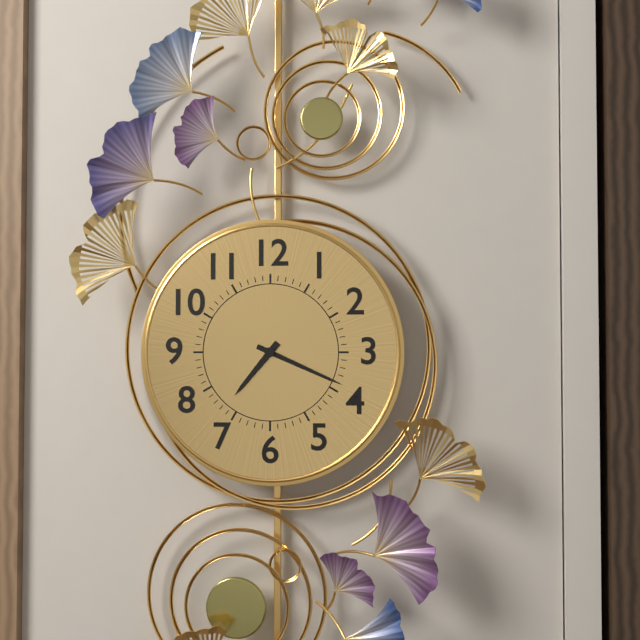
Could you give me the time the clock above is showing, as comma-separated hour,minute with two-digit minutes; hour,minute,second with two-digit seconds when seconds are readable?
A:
7,19
